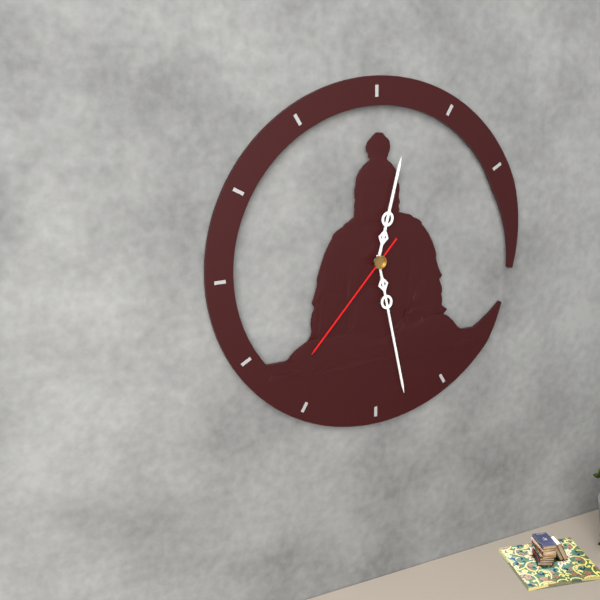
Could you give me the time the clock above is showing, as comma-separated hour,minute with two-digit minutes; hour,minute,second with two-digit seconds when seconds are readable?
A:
12,28,37
